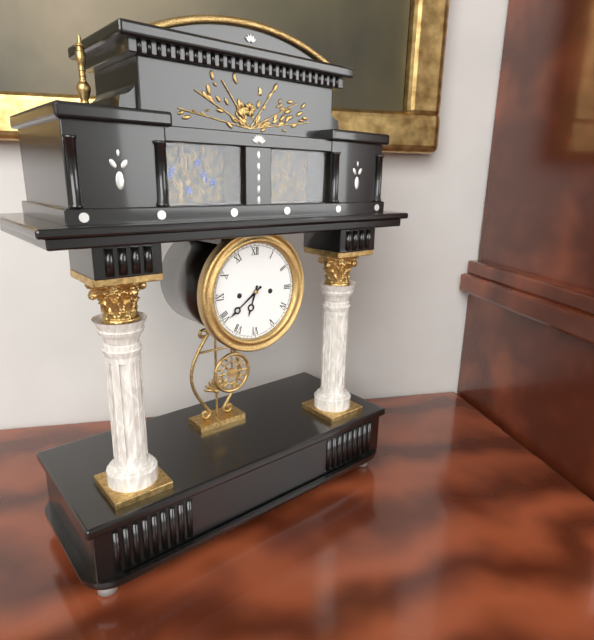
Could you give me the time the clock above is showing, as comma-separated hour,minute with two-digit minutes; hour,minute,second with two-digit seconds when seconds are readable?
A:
6,39
